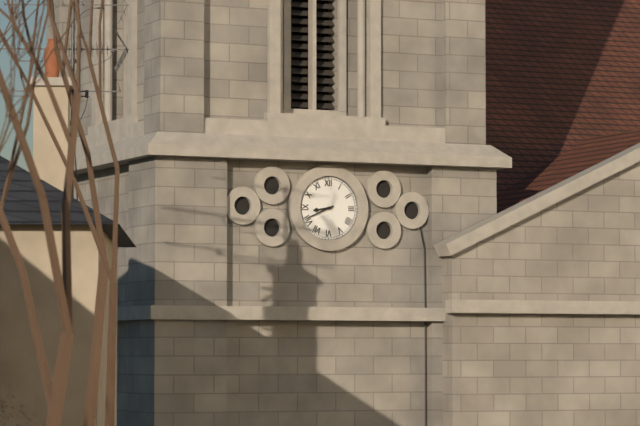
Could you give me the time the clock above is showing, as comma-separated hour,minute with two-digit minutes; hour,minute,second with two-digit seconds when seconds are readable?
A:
8,41
